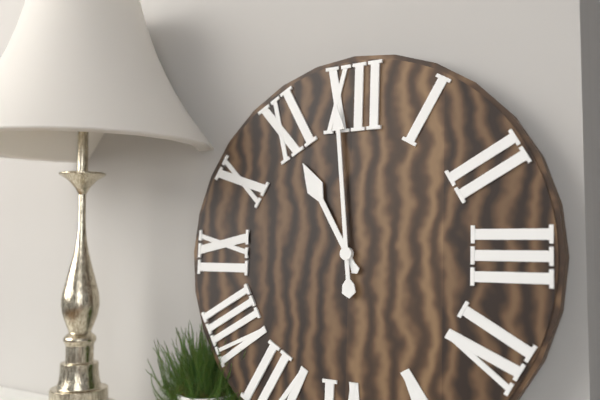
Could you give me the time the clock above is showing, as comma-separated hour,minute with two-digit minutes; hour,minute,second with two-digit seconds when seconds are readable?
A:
10,59
